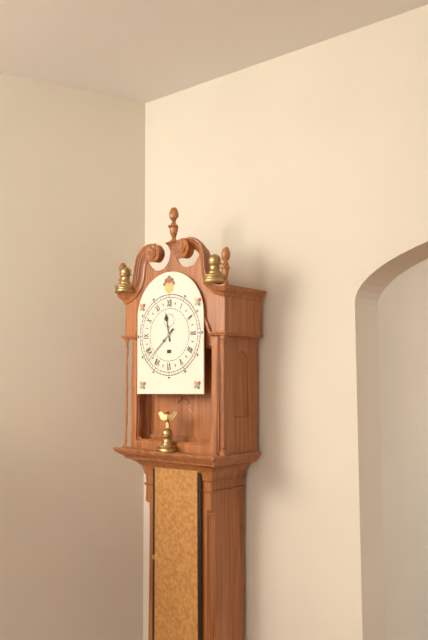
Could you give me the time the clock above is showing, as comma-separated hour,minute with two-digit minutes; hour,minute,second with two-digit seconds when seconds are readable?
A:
11,38
